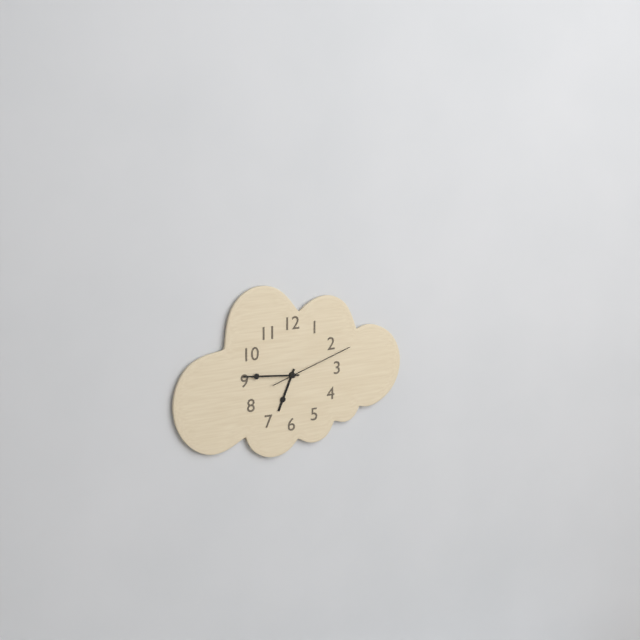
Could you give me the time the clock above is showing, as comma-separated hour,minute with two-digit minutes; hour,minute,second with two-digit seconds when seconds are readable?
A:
6,46,12
